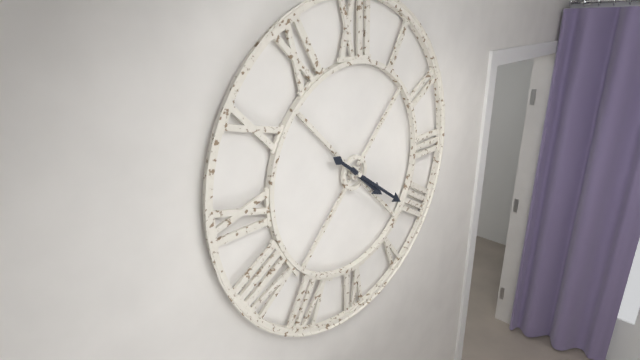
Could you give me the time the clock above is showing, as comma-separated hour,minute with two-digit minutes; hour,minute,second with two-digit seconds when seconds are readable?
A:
4,21
